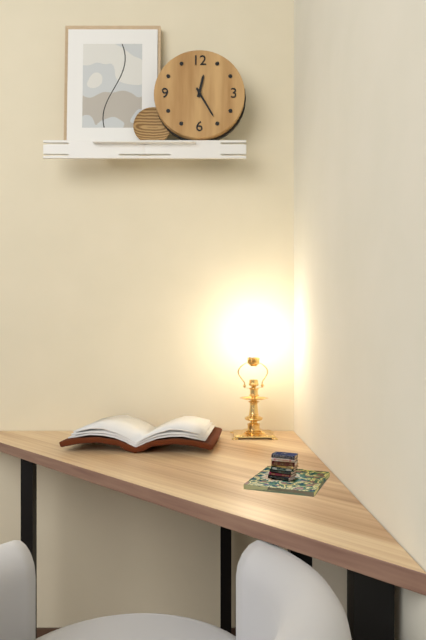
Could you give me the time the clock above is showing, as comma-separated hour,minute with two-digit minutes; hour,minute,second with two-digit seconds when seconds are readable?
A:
12,25
